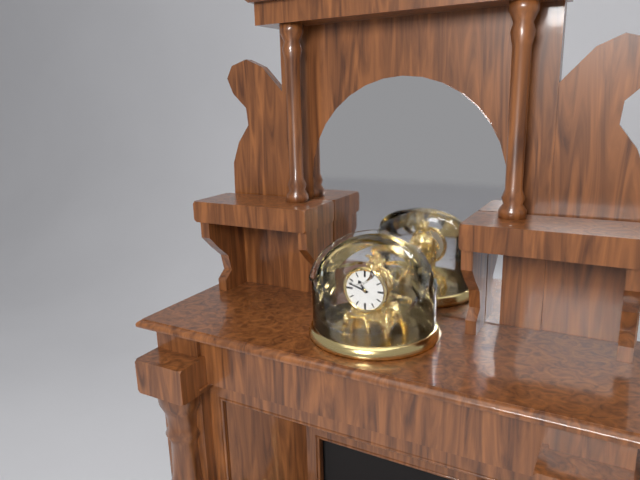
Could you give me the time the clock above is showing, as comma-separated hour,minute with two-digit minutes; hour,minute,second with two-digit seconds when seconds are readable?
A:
10,48
